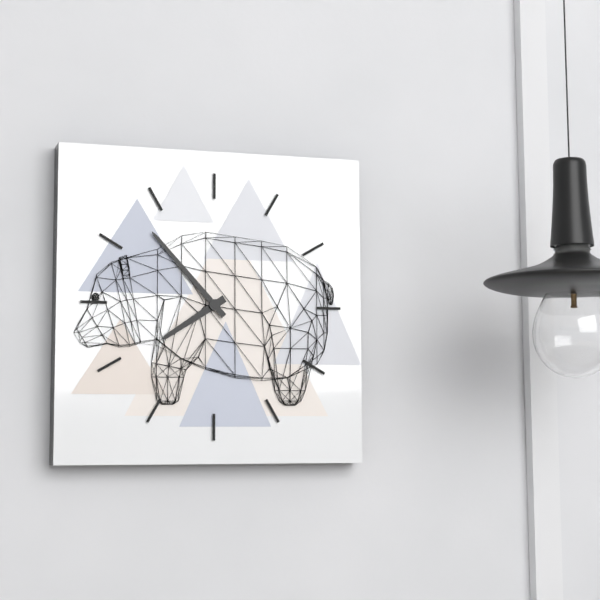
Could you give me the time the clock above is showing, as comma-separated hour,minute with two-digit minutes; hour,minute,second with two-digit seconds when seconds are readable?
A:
7,53
